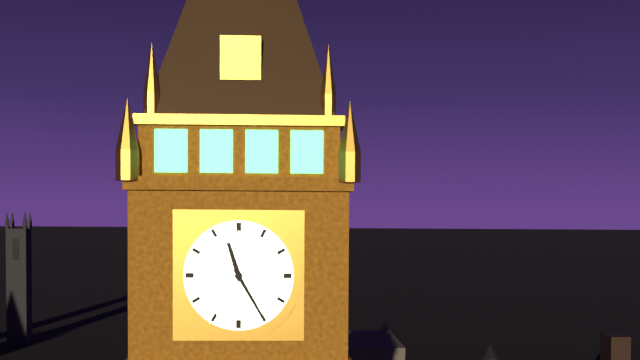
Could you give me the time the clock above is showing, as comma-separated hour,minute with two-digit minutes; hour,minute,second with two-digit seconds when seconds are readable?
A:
11,25
